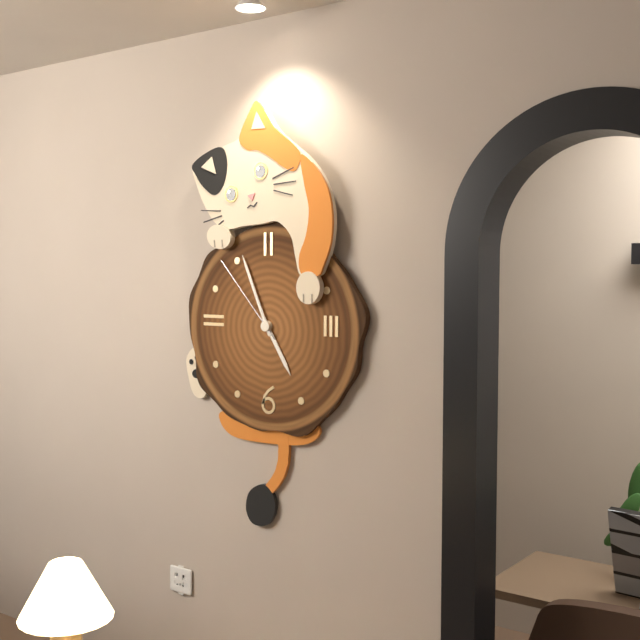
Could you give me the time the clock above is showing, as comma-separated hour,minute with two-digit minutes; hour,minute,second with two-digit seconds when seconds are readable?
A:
4,56,53
